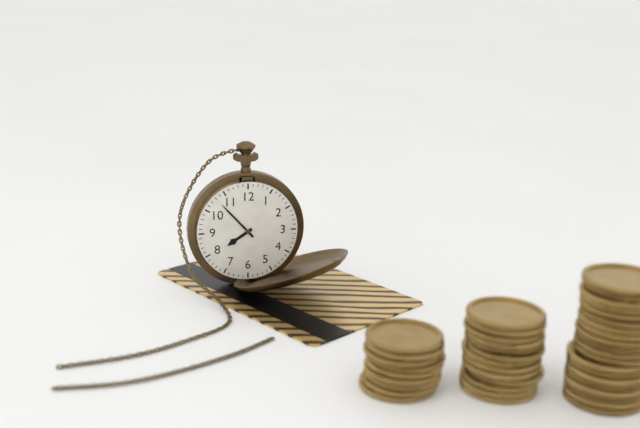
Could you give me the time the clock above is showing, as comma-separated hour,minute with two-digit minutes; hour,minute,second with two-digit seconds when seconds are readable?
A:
7,53
